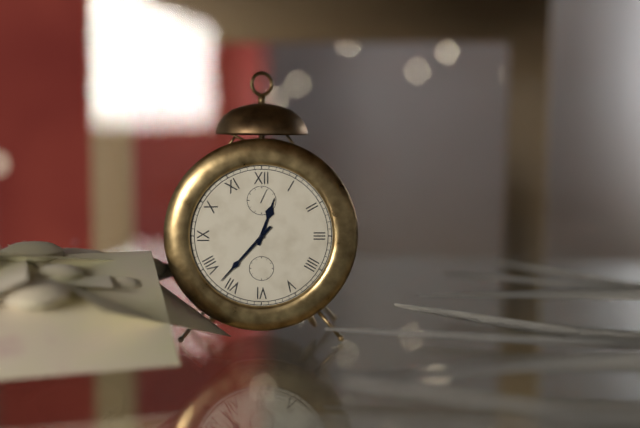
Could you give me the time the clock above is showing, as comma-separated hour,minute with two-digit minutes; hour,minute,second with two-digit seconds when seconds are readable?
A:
12,37
